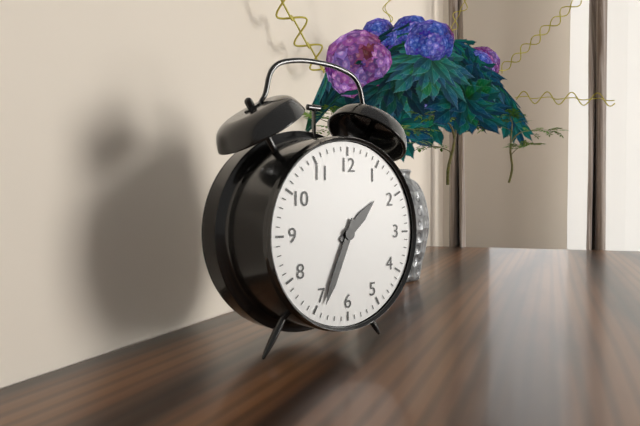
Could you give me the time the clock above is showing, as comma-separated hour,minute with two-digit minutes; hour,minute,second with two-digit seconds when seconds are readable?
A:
1,34
